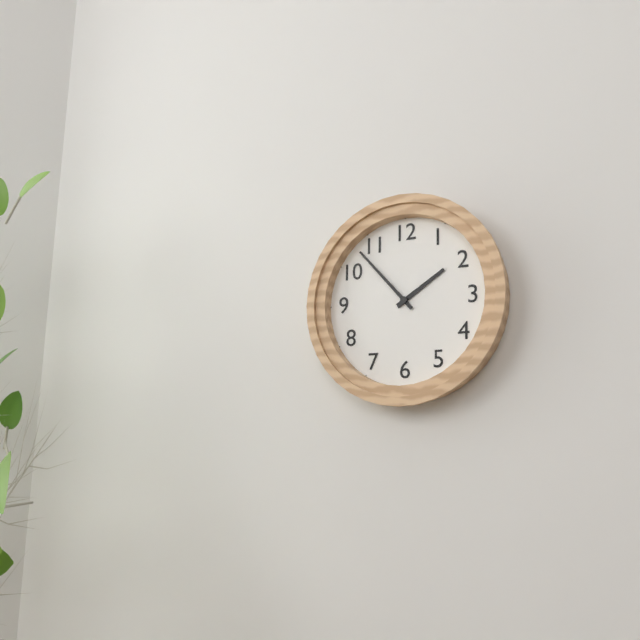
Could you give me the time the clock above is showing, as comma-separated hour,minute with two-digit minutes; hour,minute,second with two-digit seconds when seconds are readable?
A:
1,53
